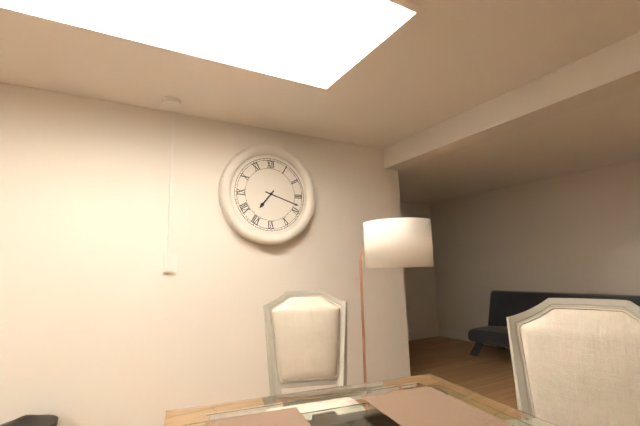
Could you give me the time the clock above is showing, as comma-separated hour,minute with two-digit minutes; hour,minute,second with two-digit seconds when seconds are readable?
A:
7,18
